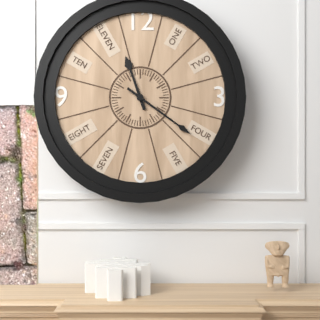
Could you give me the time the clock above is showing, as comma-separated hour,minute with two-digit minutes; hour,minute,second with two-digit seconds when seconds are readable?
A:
11,21
